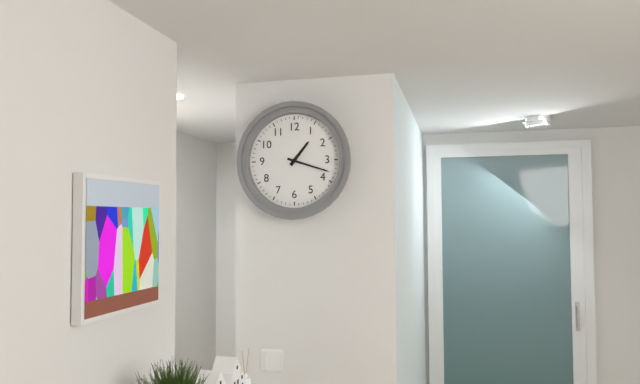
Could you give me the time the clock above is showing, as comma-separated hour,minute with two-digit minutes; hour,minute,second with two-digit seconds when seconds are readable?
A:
1,18
